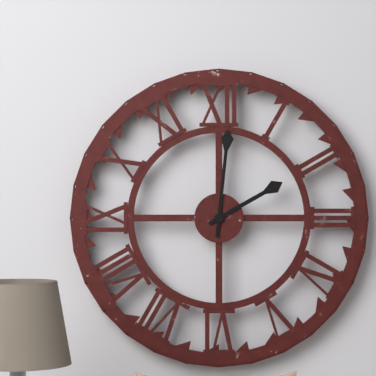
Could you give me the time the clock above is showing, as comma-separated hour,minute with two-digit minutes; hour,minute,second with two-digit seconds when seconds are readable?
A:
2,01
